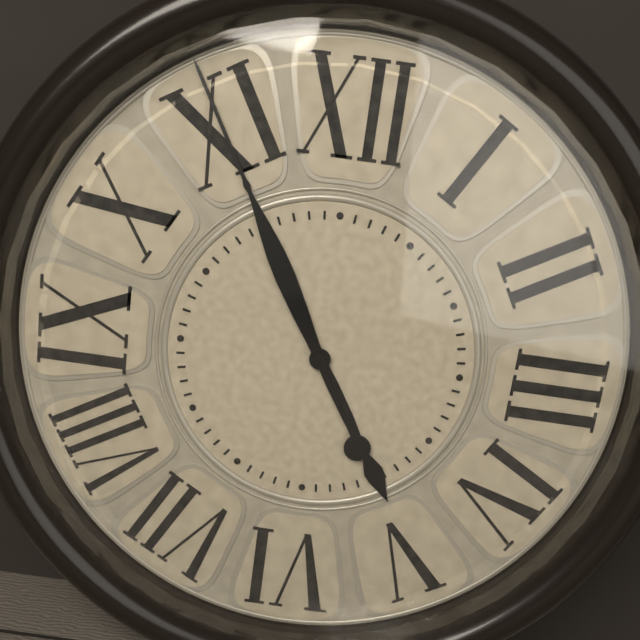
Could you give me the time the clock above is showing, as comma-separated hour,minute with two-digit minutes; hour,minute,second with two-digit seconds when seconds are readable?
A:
4,55
